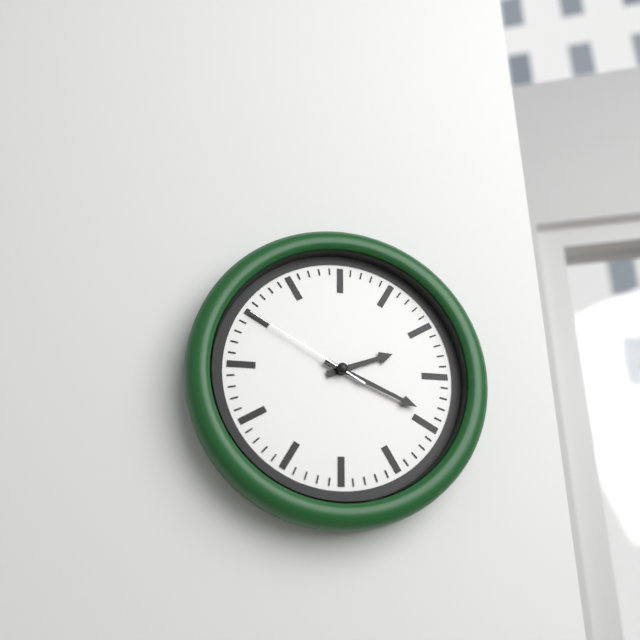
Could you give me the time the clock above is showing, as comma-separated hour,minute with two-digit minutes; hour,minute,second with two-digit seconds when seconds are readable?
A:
2,19,50
